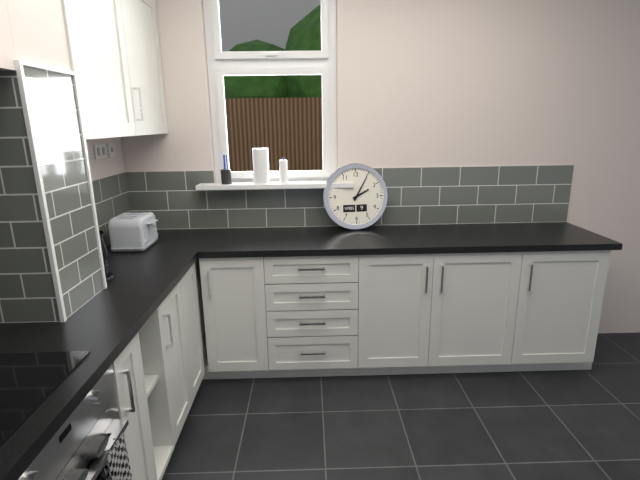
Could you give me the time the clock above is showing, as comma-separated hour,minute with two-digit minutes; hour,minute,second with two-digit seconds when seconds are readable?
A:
2,05
